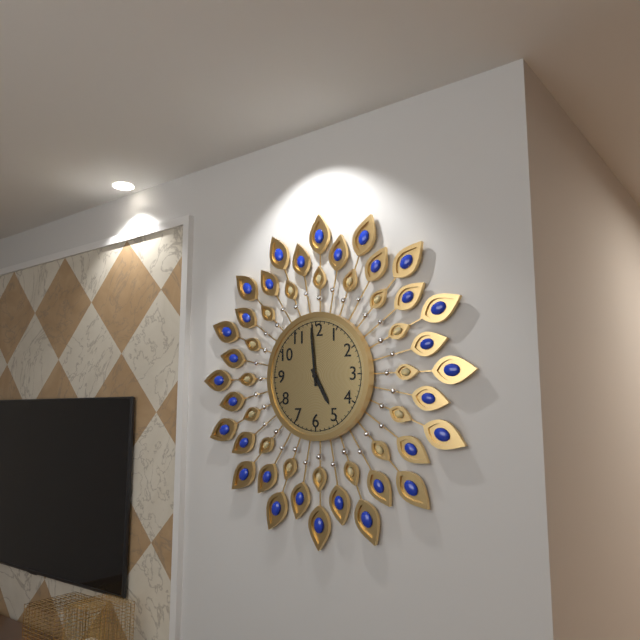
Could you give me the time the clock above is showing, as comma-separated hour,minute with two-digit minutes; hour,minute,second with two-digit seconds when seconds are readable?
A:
4,59
